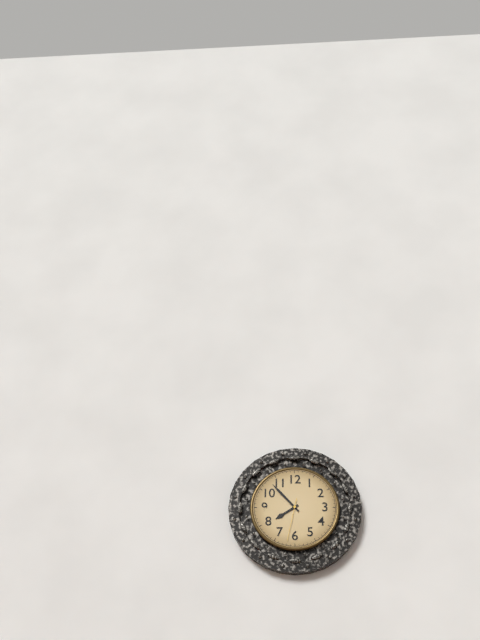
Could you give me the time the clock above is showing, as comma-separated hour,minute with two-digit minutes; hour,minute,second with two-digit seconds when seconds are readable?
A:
7,53
